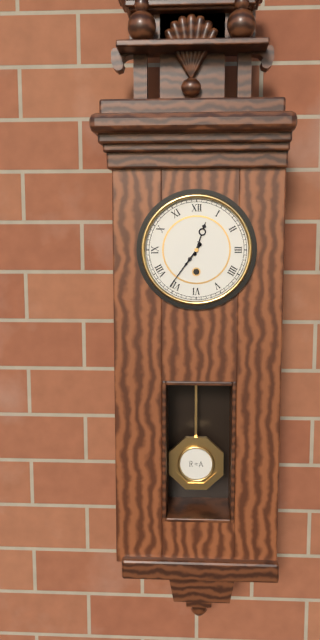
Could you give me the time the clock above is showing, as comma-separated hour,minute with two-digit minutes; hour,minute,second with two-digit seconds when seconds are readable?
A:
12,36
